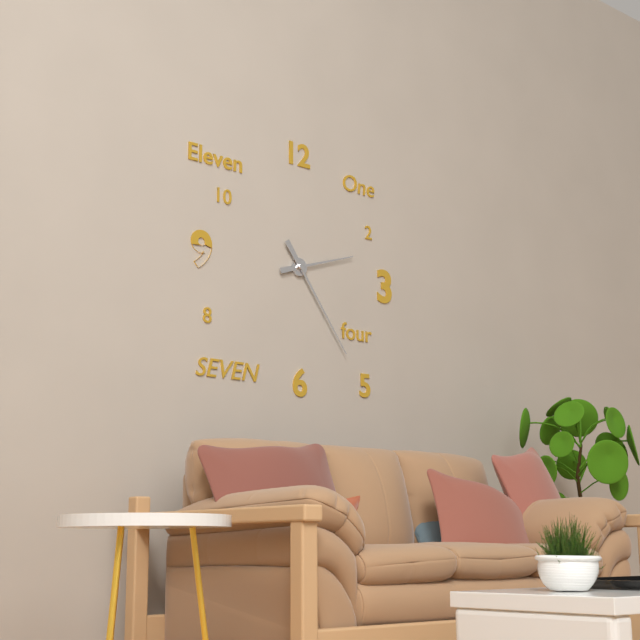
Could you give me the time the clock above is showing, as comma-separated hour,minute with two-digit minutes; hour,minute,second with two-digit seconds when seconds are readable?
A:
2,24
